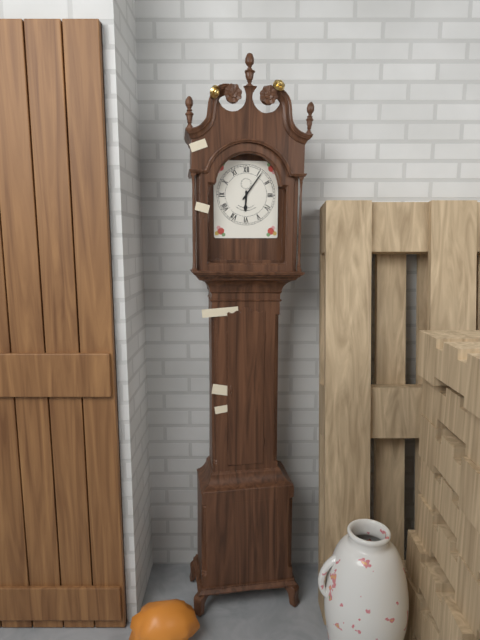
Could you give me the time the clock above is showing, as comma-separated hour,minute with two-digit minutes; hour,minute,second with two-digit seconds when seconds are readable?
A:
6,06
